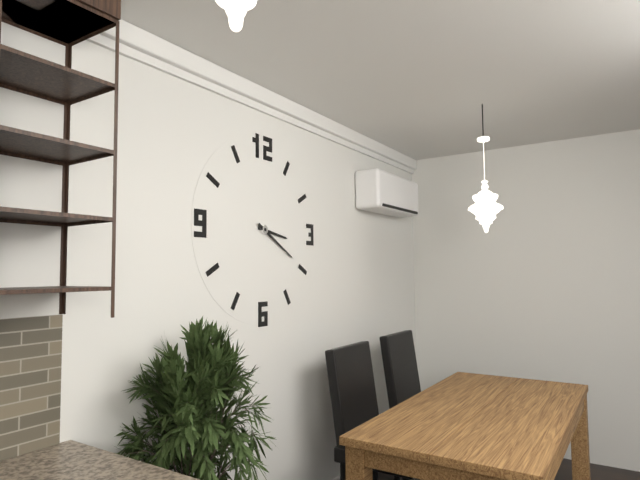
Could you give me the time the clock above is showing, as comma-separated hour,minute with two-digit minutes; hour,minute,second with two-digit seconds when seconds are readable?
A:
3,20
